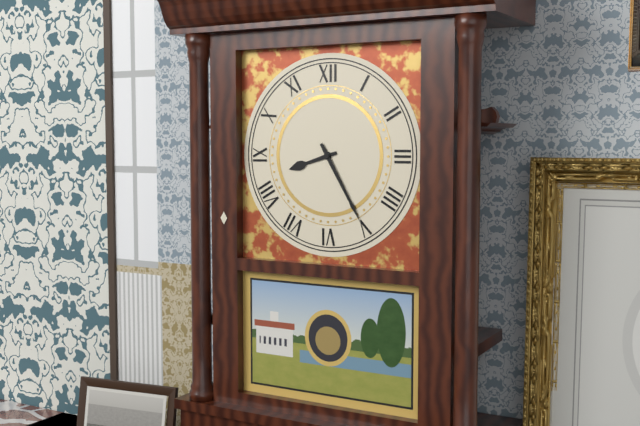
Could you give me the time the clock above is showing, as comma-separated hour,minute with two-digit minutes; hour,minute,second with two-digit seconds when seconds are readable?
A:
8,25
